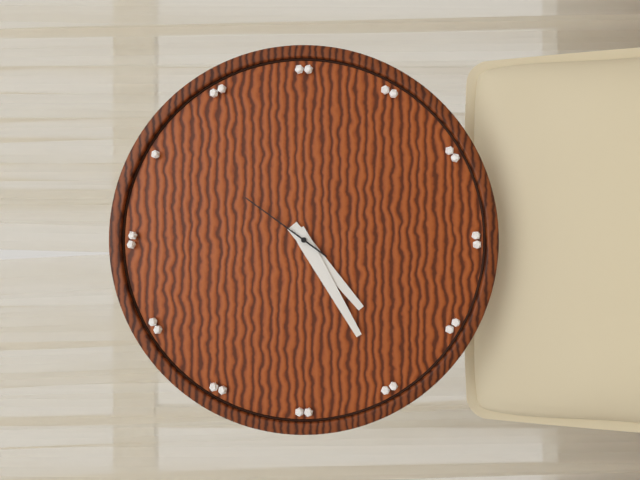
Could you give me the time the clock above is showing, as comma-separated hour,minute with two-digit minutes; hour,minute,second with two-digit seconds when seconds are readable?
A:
7,40,06
